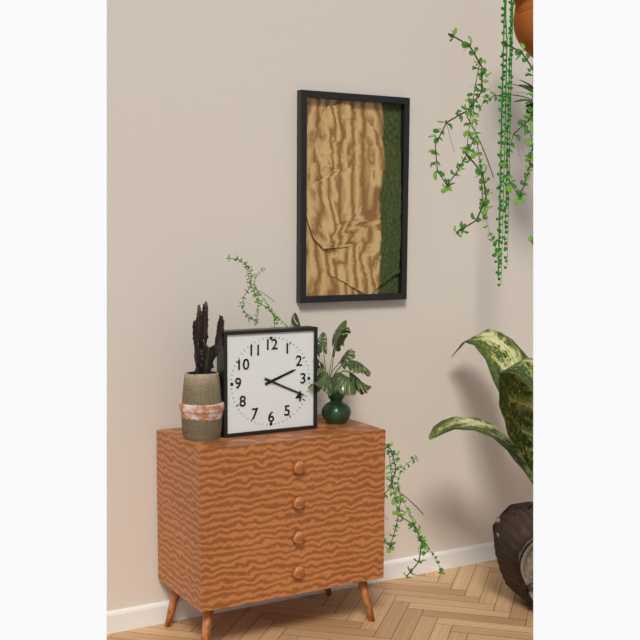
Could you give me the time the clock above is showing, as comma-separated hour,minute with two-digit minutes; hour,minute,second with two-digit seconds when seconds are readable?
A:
2,19
